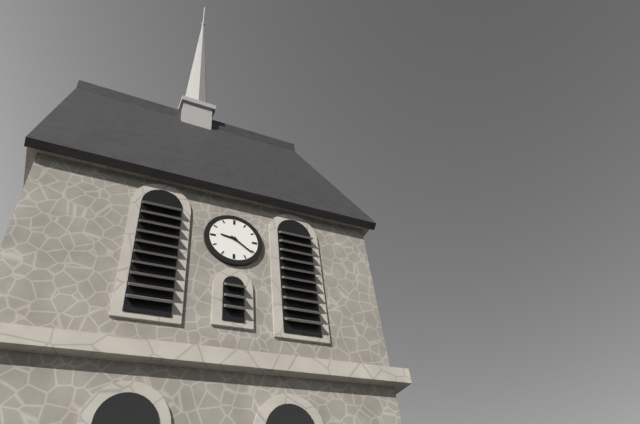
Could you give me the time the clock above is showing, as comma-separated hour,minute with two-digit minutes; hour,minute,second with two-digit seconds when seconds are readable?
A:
9,21
